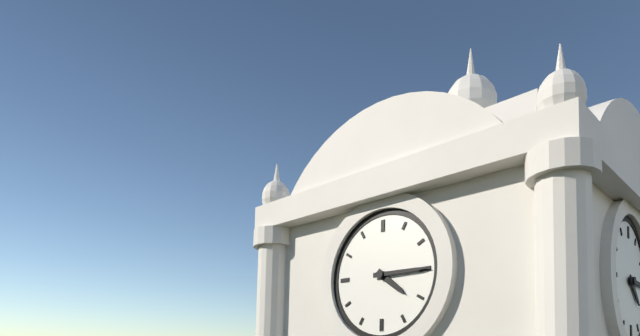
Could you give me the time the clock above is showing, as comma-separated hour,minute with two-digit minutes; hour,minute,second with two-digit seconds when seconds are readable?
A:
4,15
